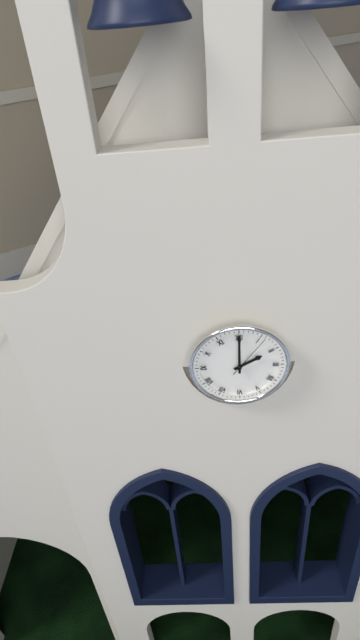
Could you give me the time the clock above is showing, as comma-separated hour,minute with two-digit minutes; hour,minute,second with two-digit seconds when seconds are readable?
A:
2,00
